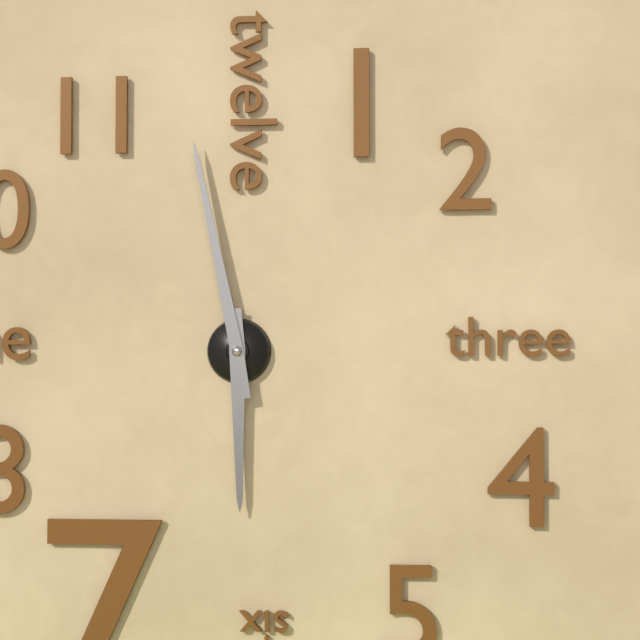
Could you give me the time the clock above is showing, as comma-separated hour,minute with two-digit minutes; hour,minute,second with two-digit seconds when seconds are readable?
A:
5,58
